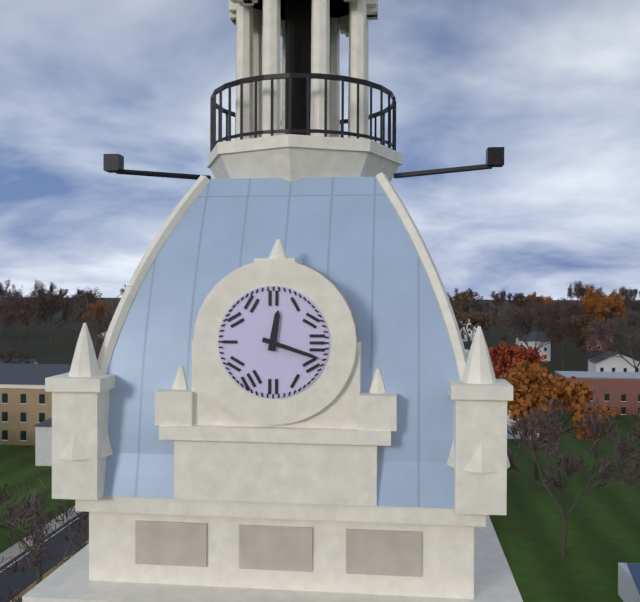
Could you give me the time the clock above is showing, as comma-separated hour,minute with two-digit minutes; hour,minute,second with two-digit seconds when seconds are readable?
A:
12,18
